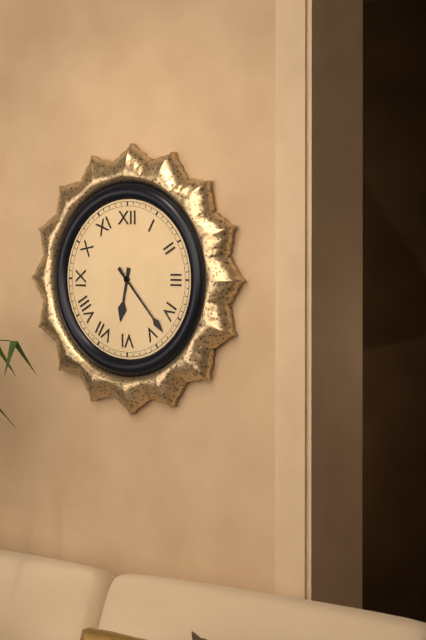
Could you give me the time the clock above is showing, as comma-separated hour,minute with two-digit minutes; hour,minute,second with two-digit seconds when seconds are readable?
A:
6,23
